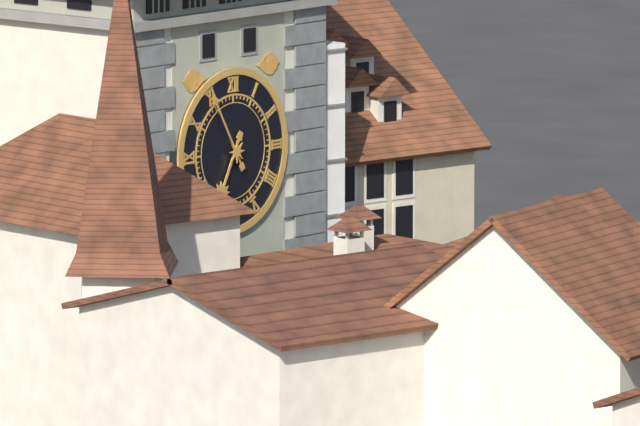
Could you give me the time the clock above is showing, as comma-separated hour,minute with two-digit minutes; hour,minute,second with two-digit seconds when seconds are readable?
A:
6,55
